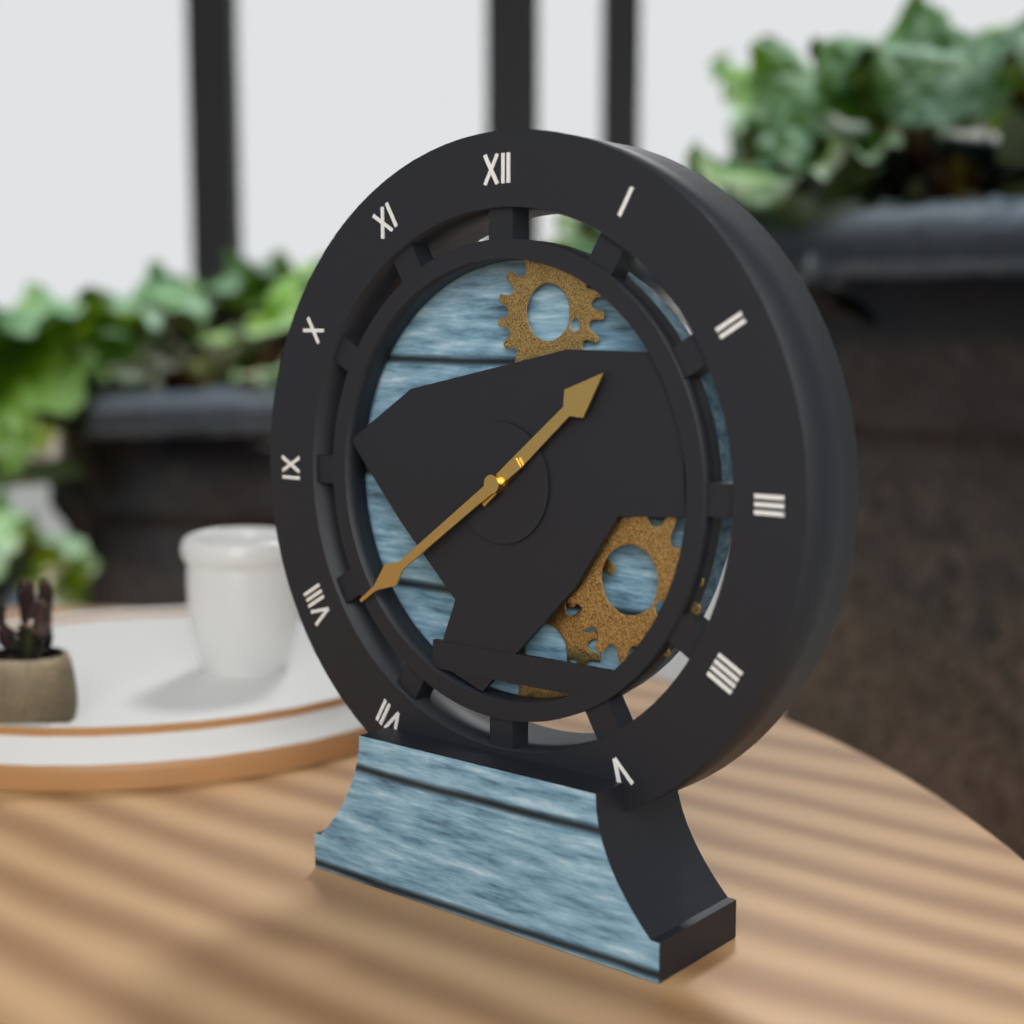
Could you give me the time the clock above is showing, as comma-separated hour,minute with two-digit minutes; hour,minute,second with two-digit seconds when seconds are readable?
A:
1,39
